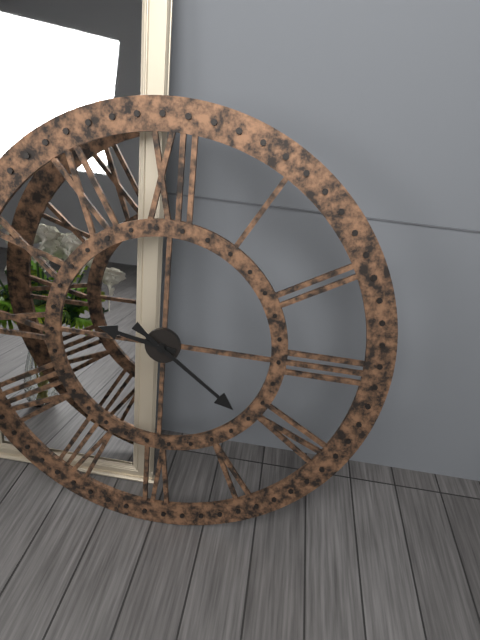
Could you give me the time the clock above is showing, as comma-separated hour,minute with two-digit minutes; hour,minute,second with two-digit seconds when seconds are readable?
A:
9,21
